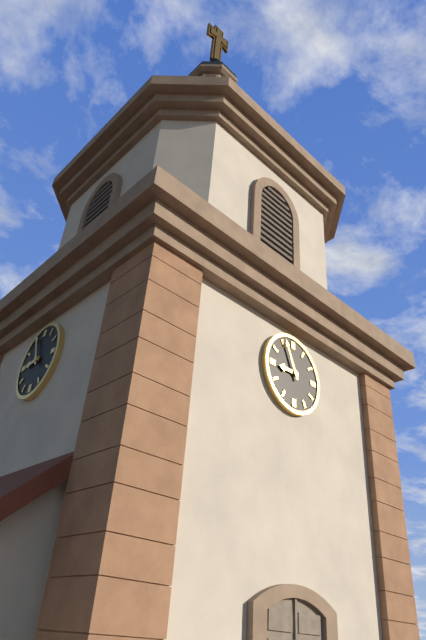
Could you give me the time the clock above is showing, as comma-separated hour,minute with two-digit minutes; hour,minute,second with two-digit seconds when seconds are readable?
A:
8,56
